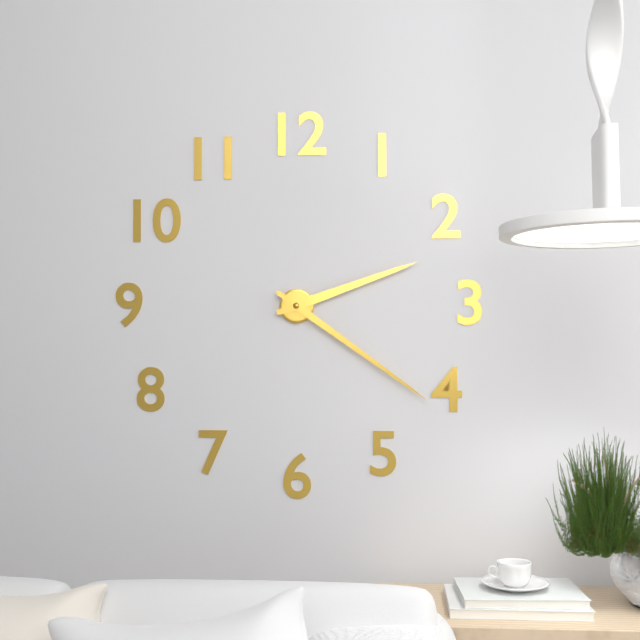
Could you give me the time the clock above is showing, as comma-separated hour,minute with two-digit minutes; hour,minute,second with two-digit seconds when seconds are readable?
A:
2,21
